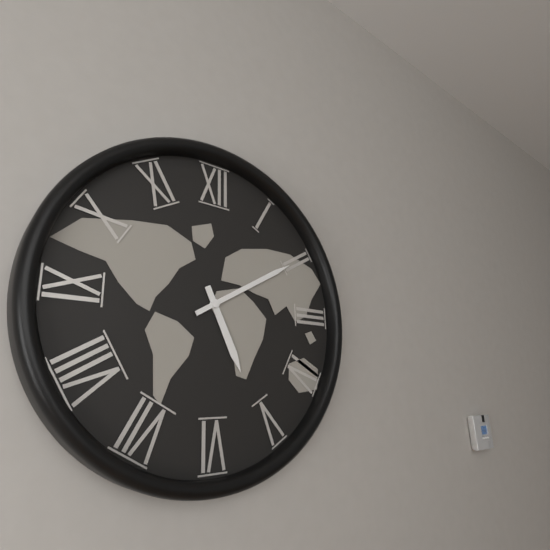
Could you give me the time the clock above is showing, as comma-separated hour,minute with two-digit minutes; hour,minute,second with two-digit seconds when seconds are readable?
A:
5,10
